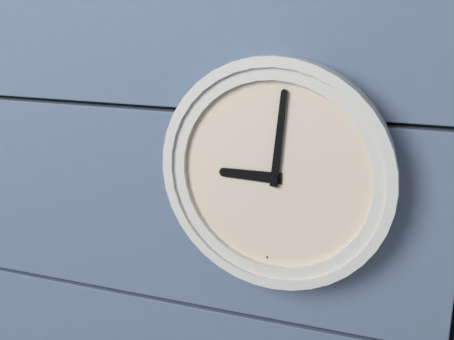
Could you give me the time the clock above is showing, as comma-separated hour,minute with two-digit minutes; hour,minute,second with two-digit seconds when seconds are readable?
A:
9,01
